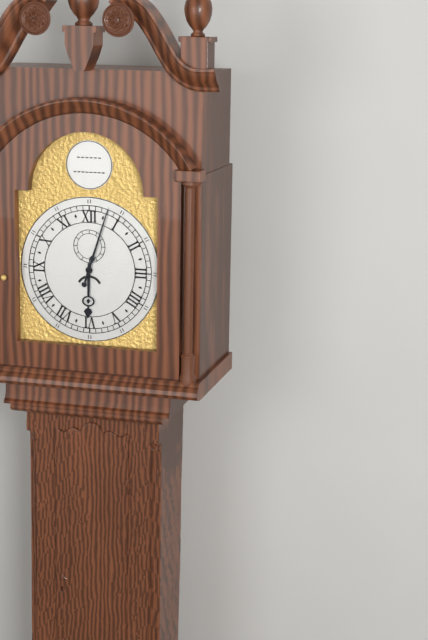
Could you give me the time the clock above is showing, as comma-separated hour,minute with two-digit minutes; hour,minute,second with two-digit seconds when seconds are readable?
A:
6,03
